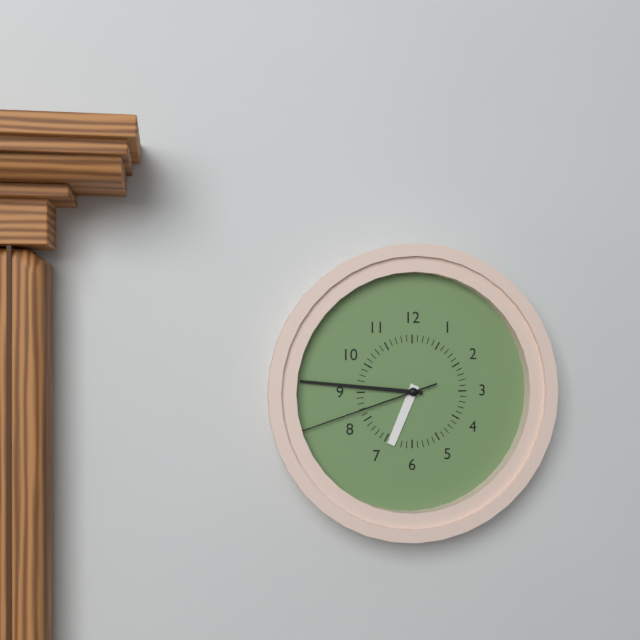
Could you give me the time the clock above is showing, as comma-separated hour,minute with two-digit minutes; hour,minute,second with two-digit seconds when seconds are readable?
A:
6,46,42
